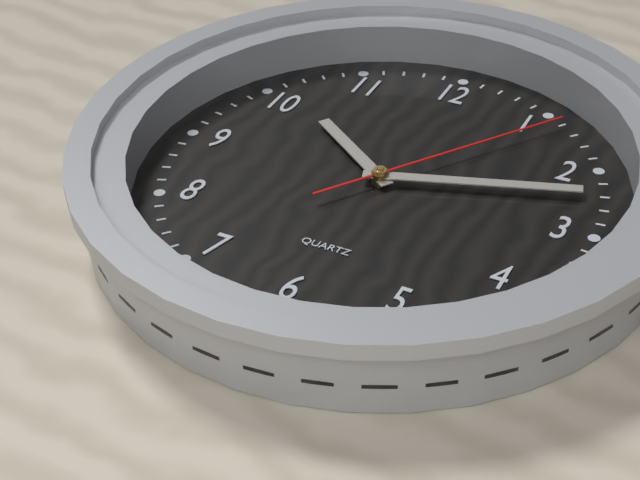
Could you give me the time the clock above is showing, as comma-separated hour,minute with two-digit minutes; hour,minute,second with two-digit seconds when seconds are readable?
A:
10,12,06
